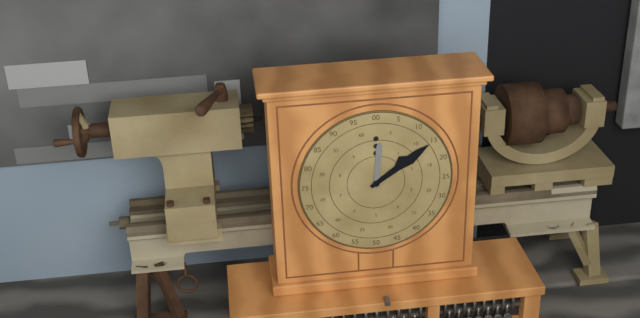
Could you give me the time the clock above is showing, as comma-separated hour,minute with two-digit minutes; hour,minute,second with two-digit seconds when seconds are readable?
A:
12,09
